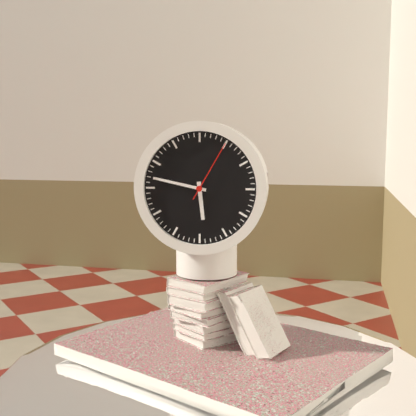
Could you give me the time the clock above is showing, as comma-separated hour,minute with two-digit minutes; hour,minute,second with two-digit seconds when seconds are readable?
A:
5,47,05
